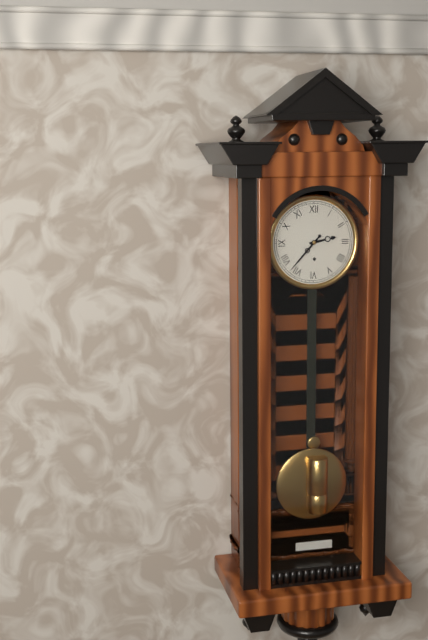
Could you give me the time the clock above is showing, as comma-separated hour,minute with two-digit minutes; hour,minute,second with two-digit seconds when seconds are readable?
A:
2,37
